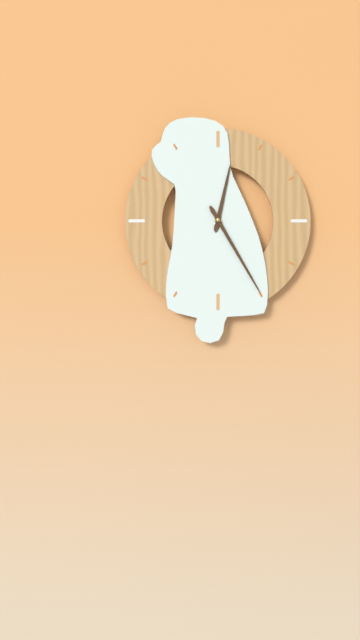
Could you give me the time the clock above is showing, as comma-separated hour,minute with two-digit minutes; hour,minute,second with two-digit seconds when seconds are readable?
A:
12,25
